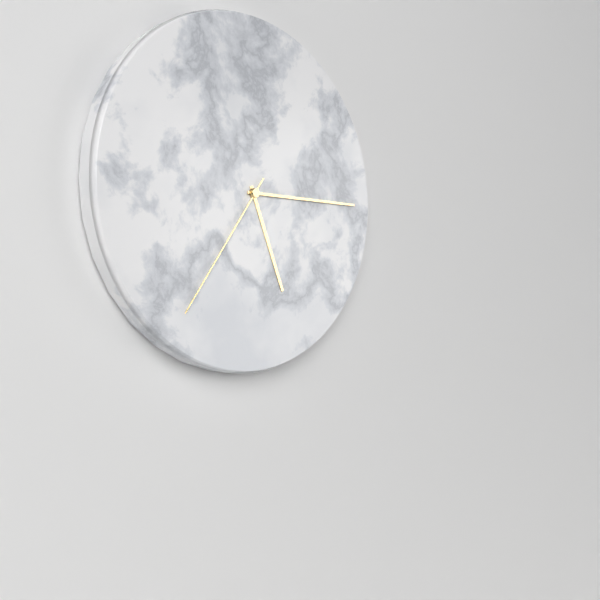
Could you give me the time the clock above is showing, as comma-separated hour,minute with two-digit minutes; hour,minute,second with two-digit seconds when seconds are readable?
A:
5,15,36
